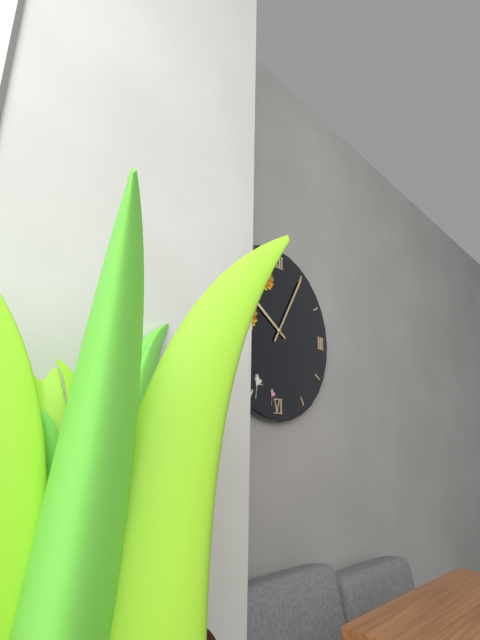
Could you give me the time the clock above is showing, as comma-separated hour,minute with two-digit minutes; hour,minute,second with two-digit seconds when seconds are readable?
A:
10,05
